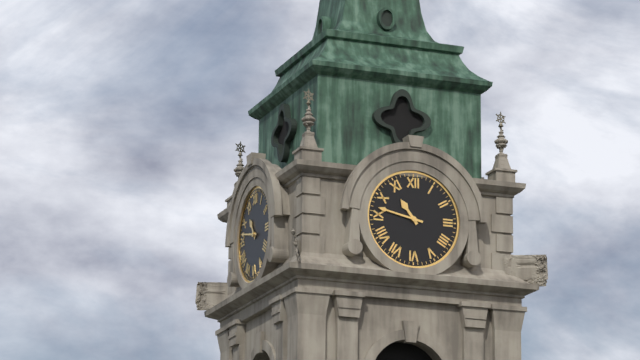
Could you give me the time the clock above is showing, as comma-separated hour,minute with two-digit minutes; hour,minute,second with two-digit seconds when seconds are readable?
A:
10,47
